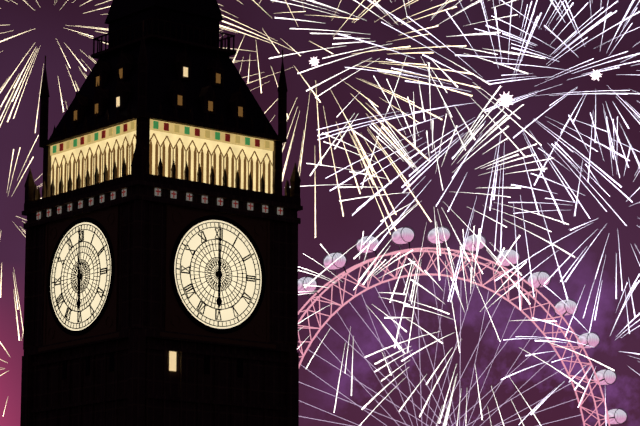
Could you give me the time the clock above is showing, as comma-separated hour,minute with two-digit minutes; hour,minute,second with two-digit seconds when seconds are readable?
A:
6,00
